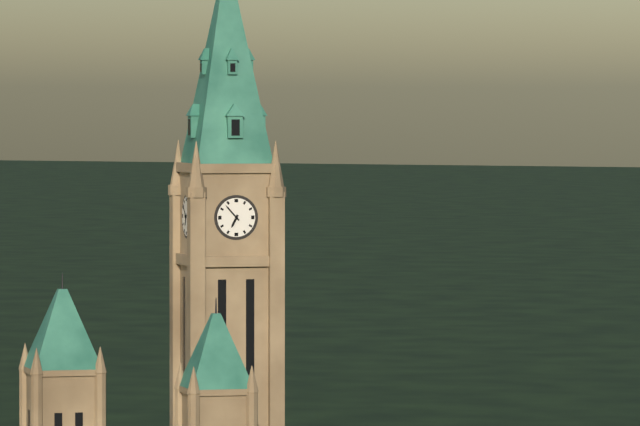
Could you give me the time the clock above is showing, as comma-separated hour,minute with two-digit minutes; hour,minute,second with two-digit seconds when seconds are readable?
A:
6,53
